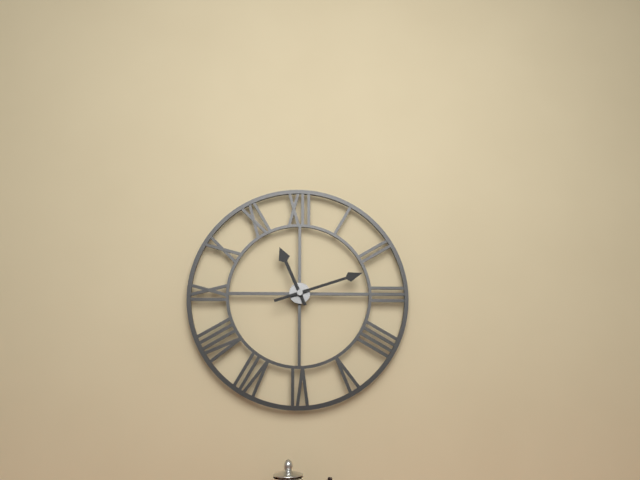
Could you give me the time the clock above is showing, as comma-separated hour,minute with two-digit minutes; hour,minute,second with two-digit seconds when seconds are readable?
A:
11,12
